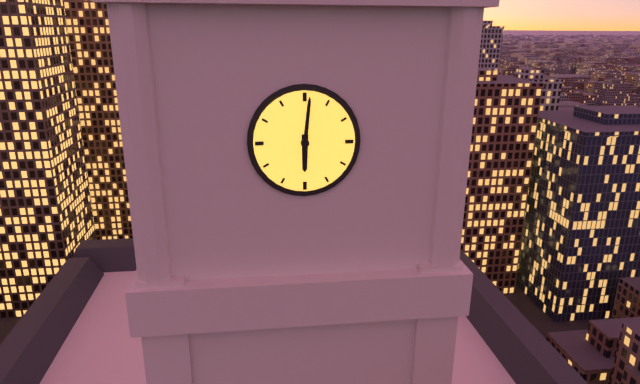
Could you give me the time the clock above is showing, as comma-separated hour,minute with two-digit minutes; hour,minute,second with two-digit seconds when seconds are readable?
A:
6,01
